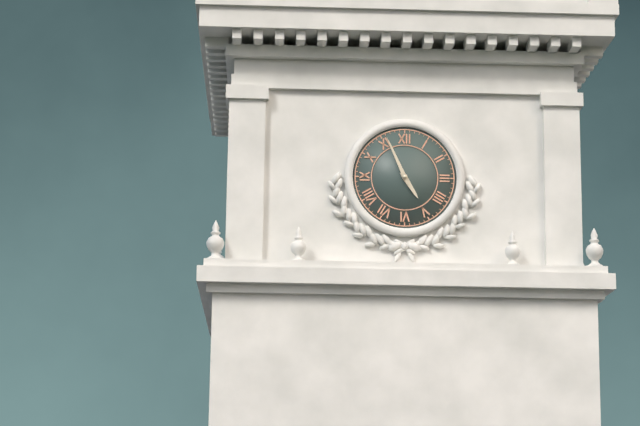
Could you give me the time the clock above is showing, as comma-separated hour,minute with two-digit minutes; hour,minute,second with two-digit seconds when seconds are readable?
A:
4,56
